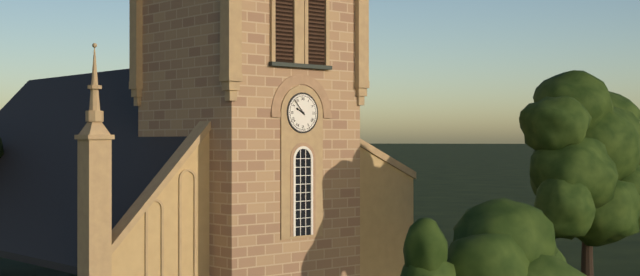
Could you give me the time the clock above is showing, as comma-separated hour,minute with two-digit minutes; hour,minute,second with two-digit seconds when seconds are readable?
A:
9,53
